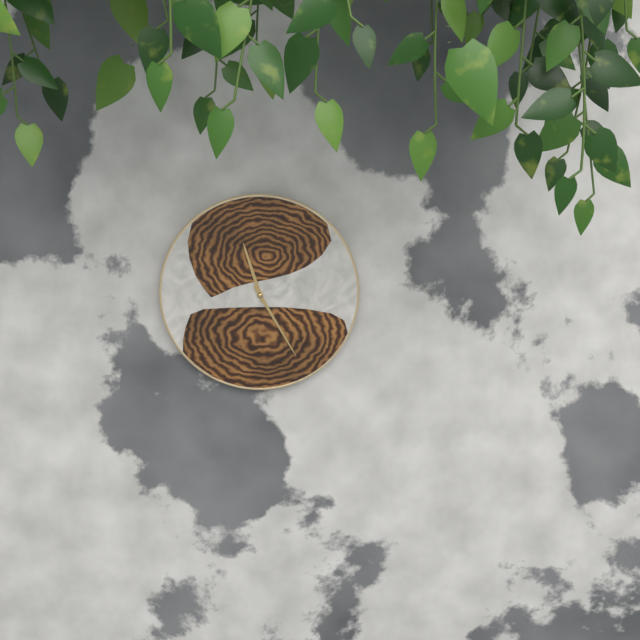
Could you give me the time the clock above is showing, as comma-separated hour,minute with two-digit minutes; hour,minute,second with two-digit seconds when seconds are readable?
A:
11,25
